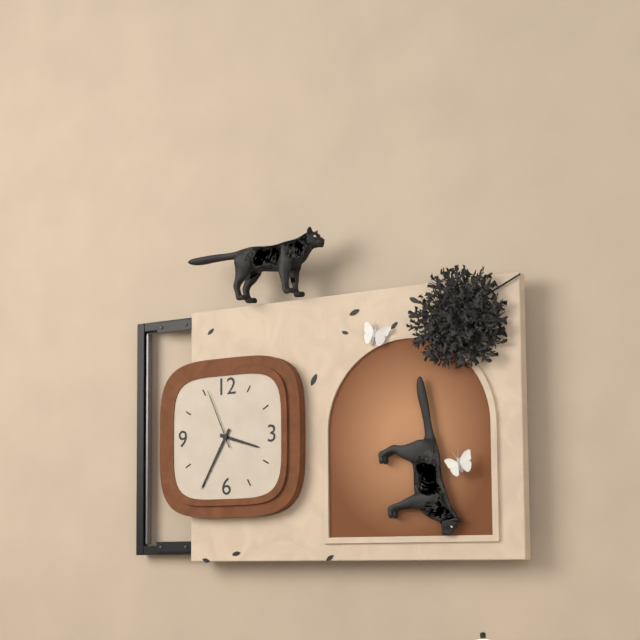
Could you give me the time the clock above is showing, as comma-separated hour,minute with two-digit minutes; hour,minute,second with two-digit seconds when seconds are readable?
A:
3,35,56
